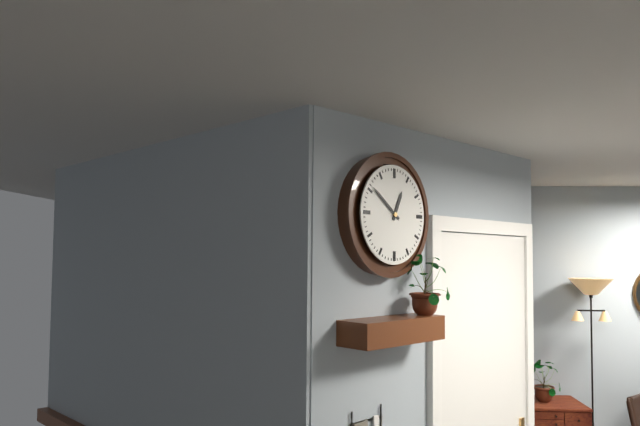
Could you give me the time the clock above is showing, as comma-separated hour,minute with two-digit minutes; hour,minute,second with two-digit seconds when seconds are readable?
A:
12,51
